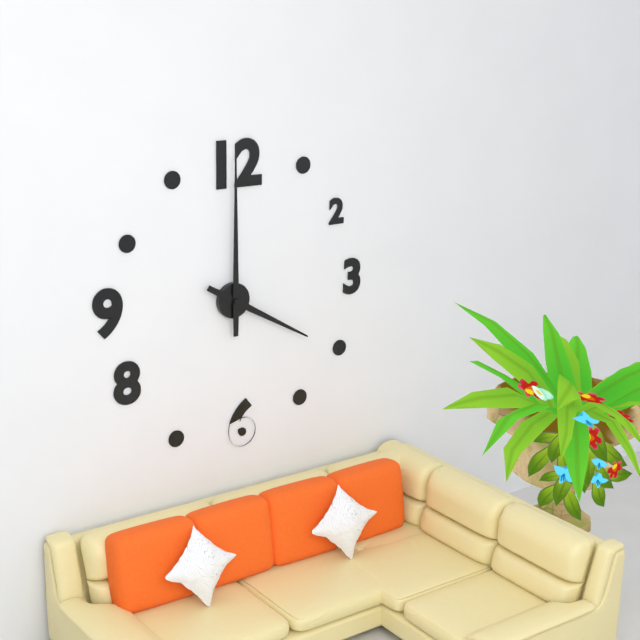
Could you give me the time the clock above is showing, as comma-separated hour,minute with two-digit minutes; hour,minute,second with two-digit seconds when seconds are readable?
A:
4,00
